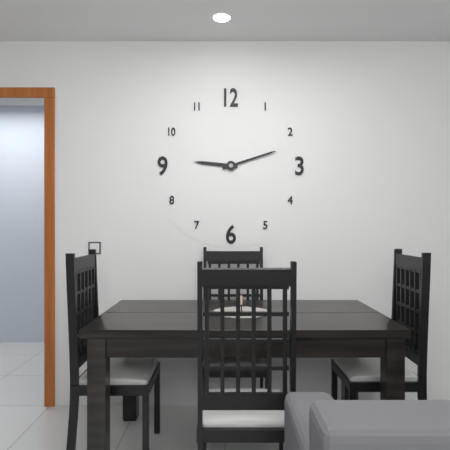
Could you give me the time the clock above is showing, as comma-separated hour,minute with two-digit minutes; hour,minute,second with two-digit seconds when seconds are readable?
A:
9,12
